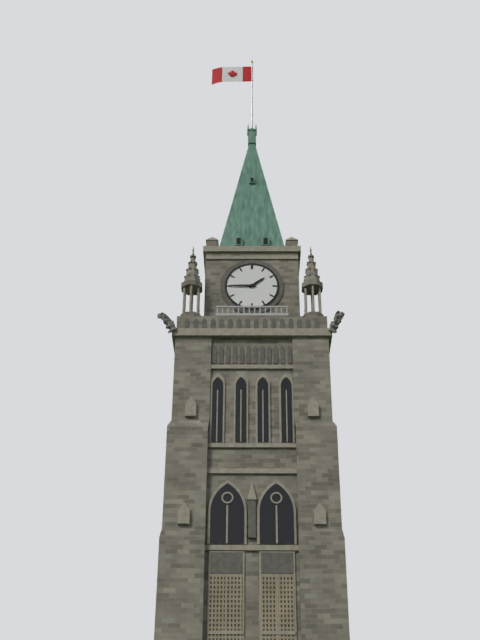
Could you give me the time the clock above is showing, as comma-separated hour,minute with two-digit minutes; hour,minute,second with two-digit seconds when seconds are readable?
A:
1,45
